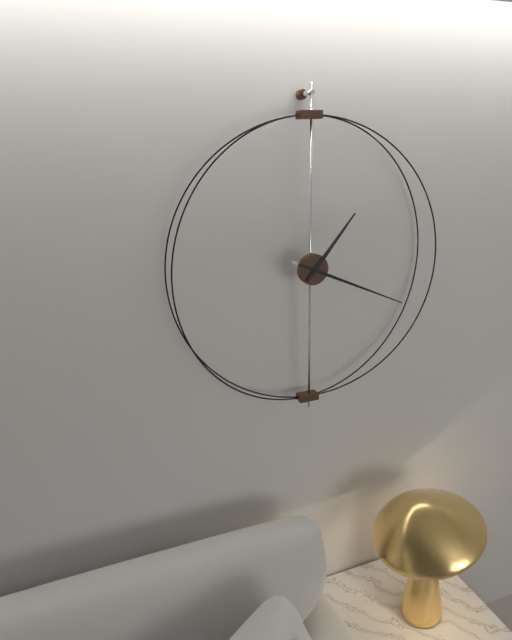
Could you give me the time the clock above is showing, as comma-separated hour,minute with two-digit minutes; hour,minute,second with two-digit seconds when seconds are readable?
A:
1,19
